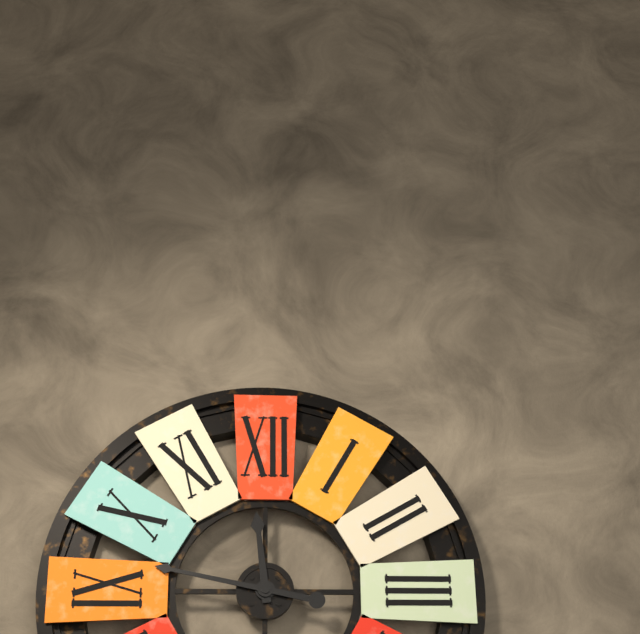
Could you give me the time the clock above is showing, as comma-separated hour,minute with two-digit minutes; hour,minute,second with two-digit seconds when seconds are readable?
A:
11,47
